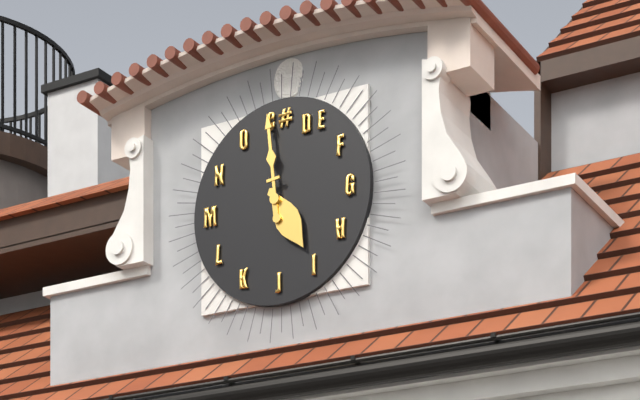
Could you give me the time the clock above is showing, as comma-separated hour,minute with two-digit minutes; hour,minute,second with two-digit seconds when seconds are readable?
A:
4,59
